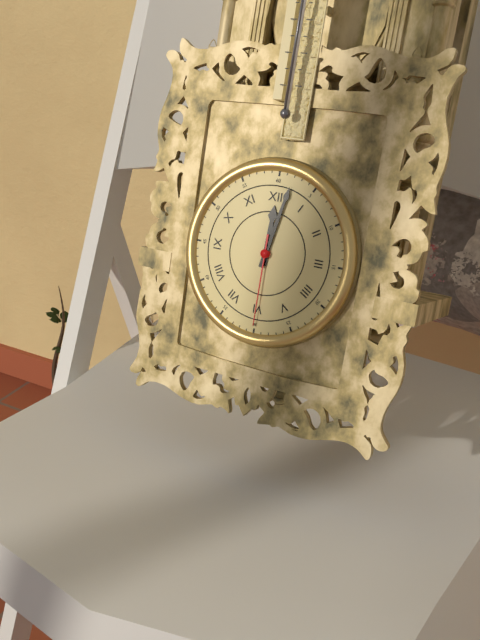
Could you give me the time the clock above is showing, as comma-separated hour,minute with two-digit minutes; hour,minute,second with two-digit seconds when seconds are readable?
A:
12,02,30
